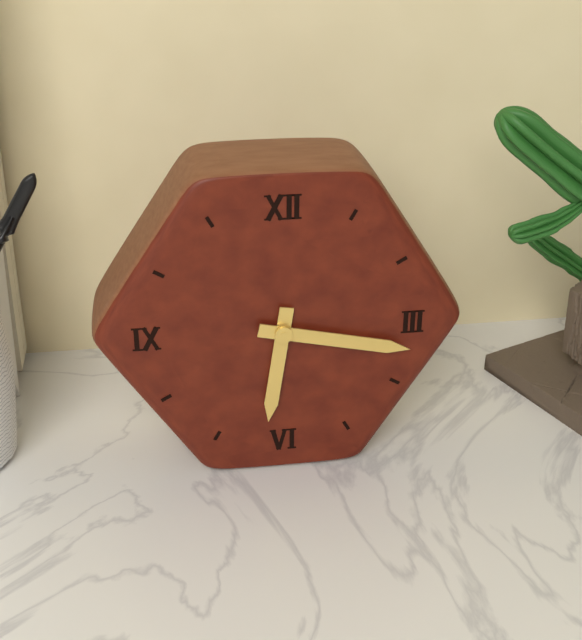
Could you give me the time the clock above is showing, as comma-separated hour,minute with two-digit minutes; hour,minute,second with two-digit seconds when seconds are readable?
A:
6,17
